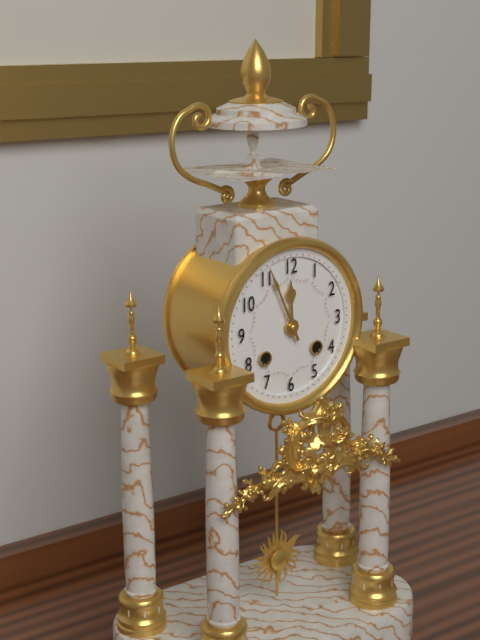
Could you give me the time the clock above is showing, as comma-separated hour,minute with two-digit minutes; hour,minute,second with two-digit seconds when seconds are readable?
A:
11,56
